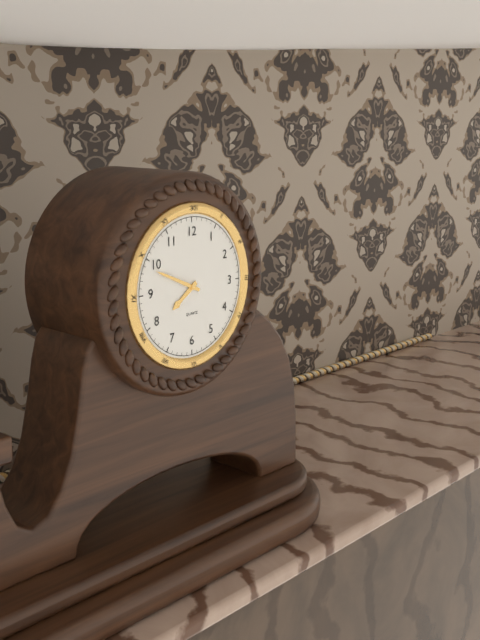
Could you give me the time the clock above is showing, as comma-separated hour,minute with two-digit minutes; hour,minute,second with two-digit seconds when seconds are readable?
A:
7,49
